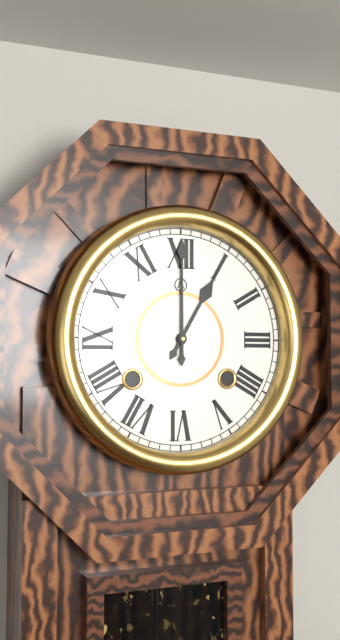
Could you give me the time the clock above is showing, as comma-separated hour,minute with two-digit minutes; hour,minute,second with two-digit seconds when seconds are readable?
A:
1,00
